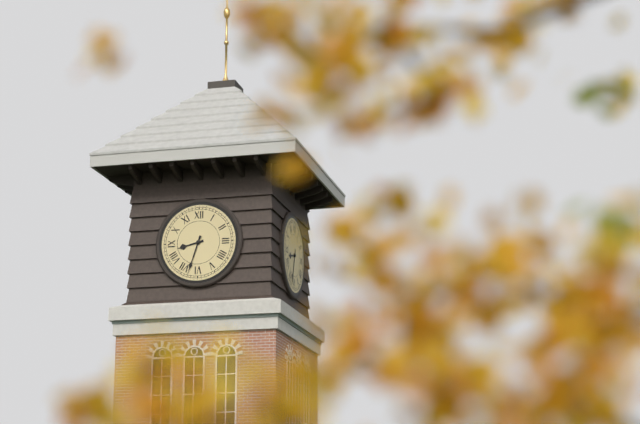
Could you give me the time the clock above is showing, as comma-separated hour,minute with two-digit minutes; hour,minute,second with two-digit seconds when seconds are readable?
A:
8,33
